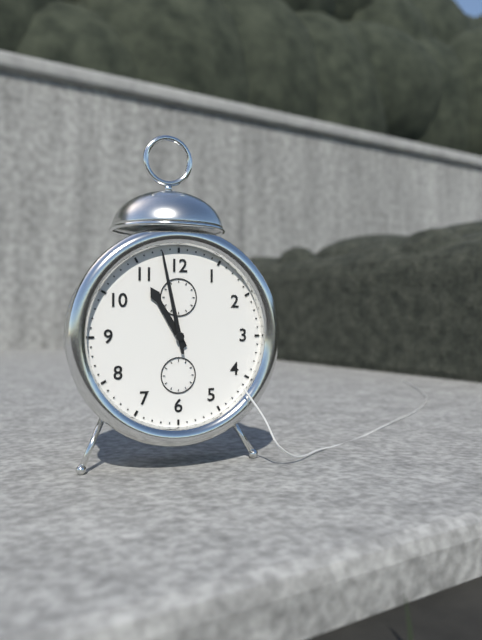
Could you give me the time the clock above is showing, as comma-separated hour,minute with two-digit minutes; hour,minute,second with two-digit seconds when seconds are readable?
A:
10,58
